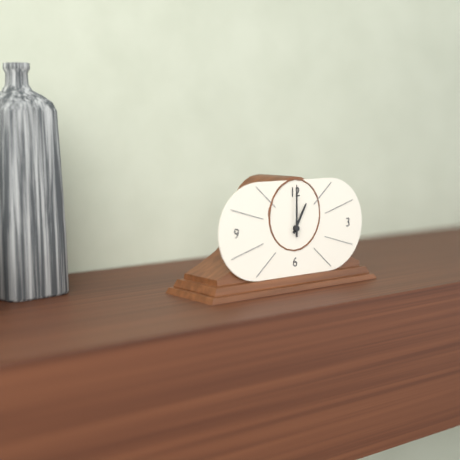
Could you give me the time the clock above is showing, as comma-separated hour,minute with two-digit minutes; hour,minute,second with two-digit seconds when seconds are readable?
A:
1,00
